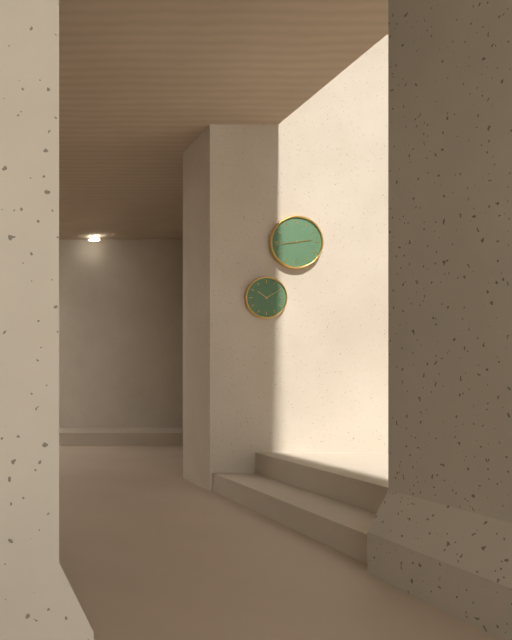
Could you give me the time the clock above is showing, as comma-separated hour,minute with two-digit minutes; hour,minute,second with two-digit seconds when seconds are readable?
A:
2,44
